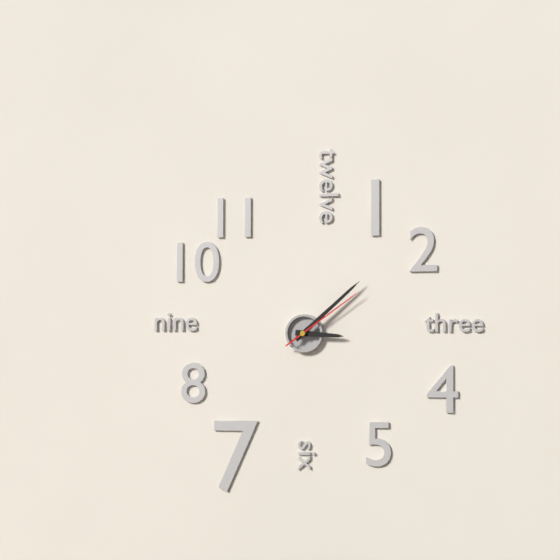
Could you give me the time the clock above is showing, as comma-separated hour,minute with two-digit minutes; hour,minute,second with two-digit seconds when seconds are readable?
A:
3,08,09
